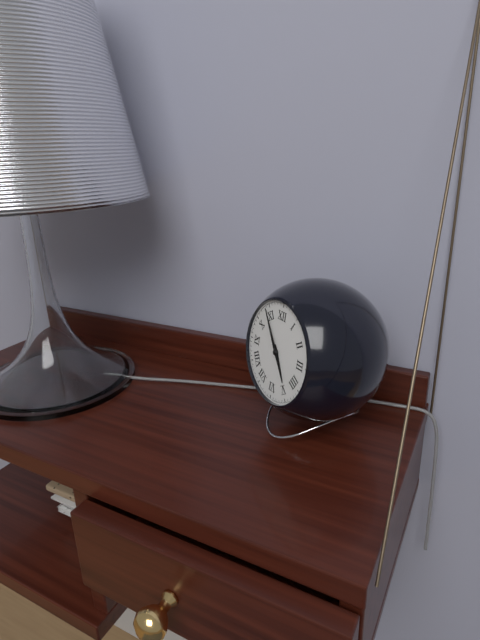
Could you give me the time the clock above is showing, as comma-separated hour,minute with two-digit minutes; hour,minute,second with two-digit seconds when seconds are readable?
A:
4,54
